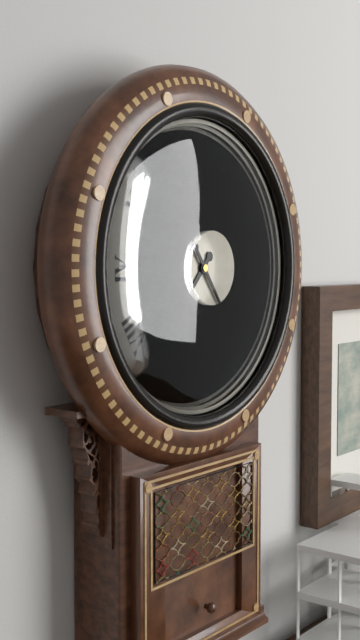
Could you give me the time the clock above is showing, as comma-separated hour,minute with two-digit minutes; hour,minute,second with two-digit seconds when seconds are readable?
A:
7,24
